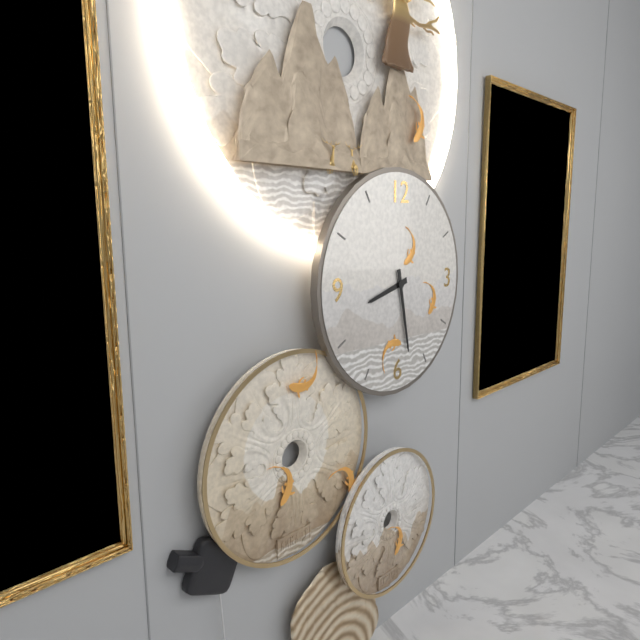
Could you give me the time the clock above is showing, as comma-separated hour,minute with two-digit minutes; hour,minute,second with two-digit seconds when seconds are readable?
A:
8,28
